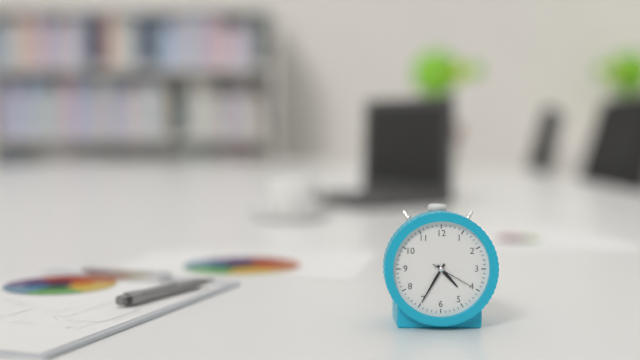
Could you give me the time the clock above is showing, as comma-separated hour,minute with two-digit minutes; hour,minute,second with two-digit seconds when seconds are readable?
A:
4,35
